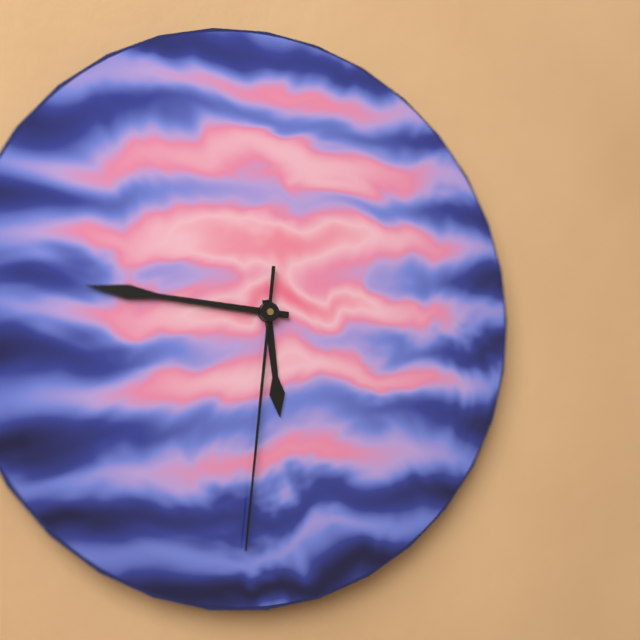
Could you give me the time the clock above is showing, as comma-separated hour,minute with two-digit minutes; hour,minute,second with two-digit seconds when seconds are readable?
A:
5,46,31
